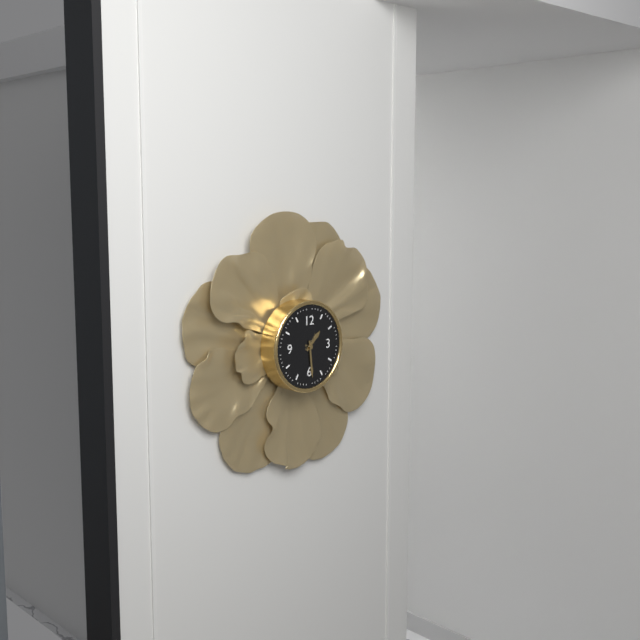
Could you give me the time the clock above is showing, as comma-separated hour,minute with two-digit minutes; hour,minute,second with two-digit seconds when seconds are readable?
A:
1,29
